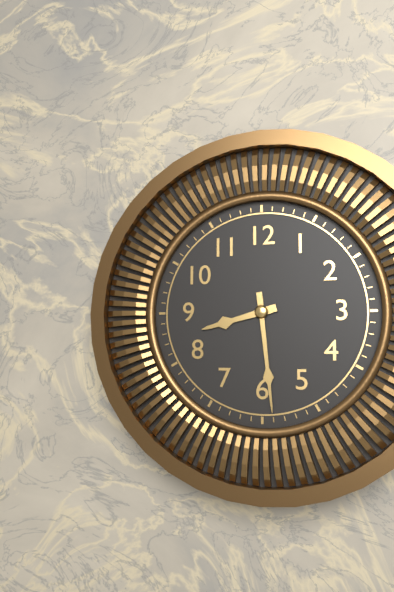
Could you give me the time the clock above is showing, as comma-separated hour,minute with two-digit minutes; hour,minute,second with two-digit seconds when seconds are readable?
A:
8,29
